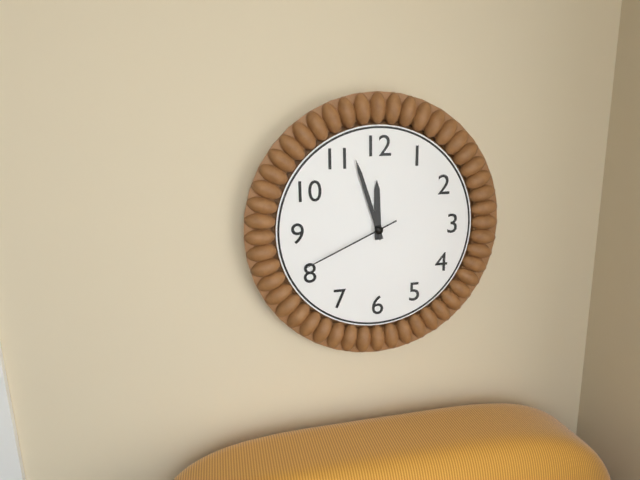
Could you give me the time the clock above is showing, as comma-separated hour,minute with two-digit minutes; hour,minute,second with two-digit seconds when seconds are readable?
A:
11,57,41
